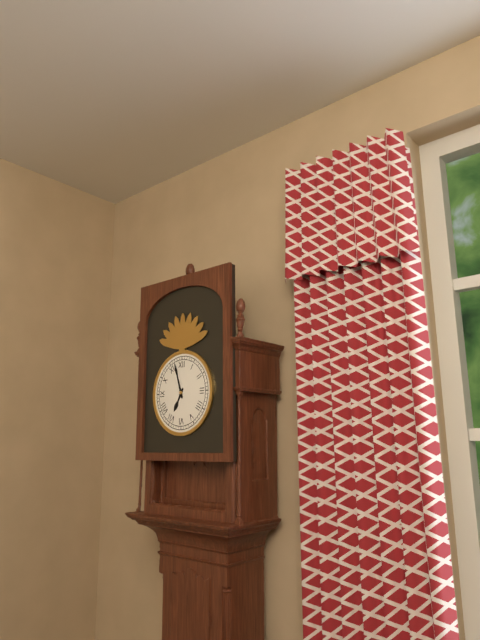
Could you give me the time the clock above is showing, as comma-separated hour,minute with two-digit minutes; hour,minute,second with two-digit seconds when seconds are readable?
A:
6,57
